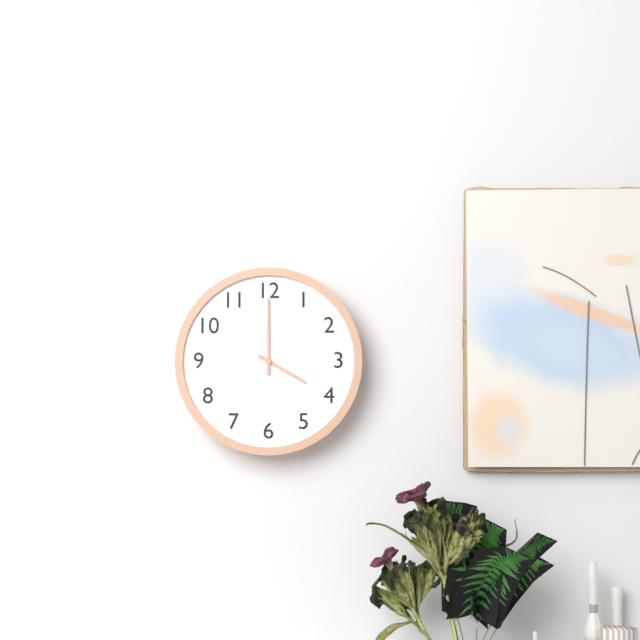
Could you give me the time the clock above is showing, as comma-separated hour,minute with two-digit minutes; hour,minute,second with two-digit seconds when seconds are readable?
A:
4,00
